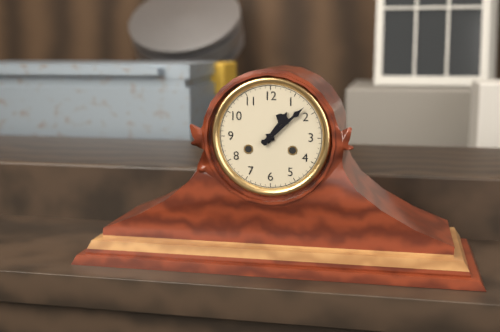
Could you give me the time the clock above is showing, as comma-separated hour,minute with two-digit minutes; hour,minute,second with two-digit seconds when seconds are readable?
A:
1,08
